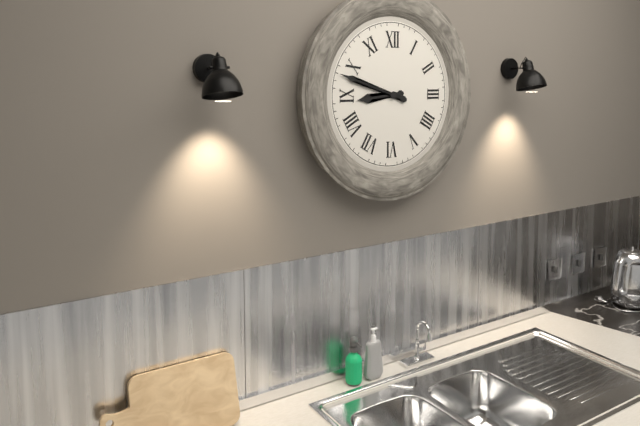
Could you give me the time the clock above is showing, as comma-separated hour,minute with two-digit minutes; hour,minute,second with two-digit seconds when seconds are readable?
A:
8,48
